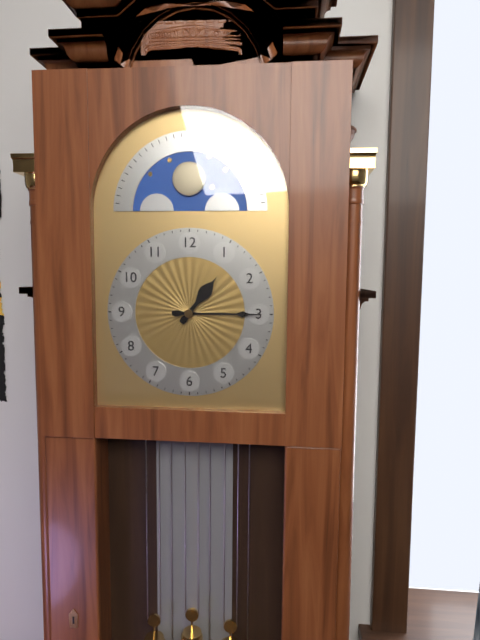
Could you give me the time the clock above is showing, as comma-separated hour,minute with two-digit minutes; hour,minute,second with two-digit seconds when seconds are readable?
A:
1,15
